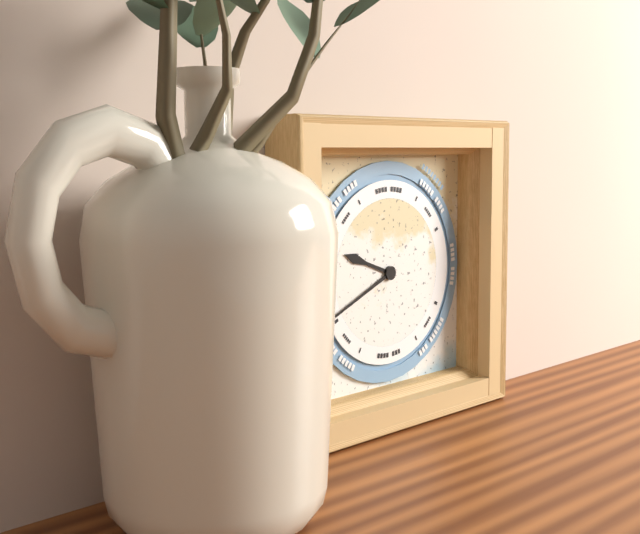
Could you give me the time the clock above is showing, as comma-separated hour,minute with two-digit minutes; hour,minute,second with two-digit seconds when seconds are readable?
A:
9,41
